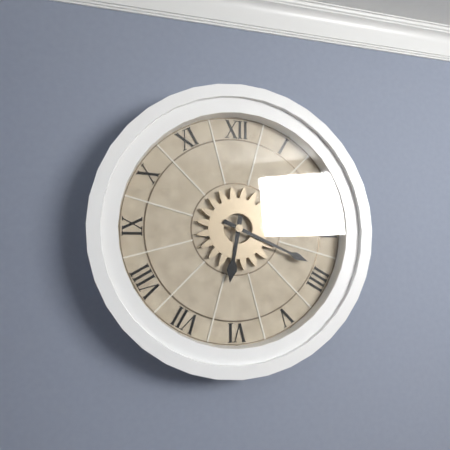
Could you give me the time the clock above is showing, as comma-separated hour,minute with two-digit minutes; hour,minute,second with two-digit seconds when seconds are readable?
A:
6,19
